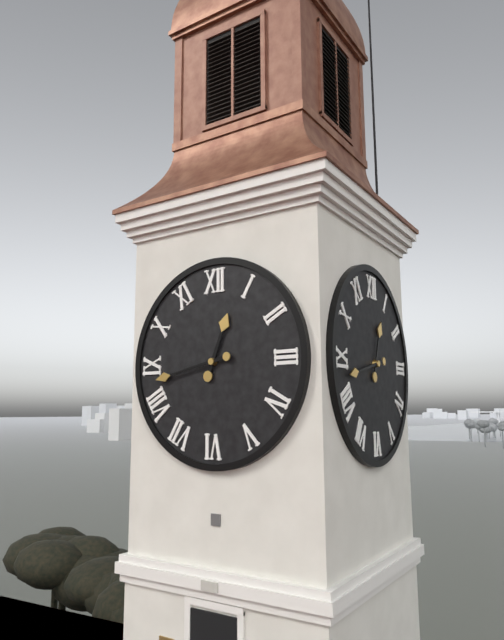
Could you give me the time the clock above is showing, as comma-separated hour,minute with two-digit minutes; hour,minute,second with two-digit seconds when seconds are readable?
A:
12,43
